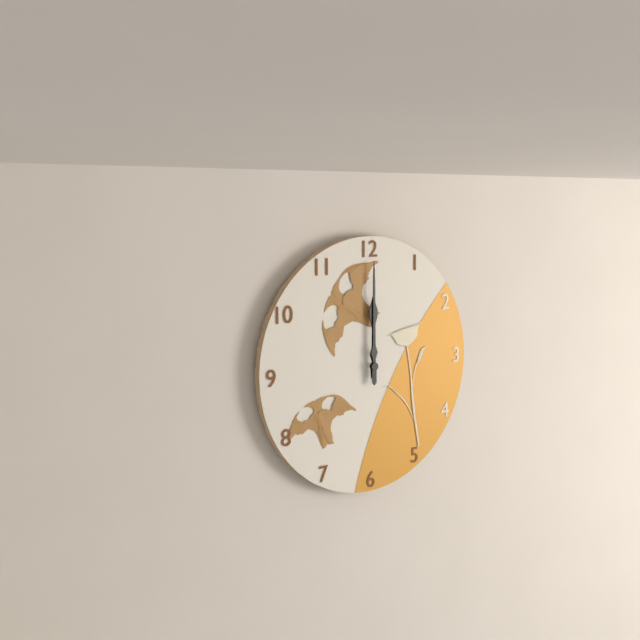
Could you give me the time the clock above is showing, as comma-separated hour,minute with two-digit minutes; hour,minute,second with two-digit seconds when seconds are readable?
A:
12,00
